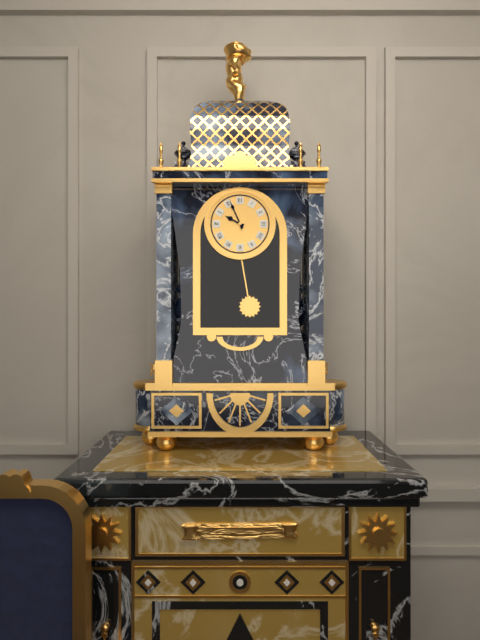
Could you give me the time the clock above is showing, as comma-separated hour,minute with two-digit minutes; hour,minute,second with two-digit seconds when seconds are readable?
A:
9,56
